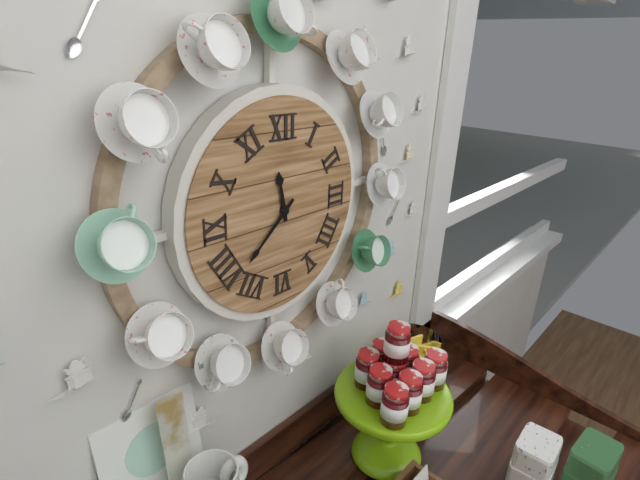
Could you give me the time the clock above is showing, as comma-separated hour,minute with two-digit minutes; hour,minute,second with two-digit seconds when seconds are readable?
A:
11,38
